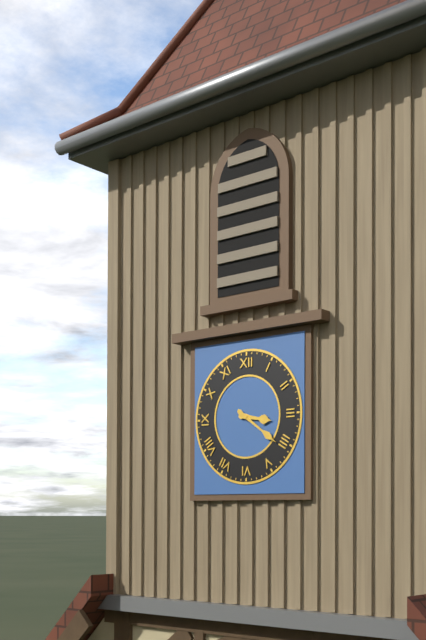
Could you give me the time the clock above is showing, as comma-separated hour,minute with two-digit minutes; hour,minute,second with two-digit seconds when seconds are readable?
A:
3,21
